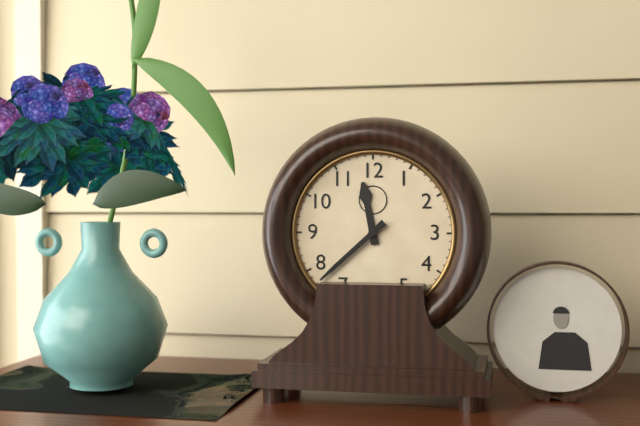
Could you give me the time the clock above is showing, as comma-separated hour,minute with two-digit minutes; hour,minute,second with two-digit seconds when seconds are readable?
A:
11,38
